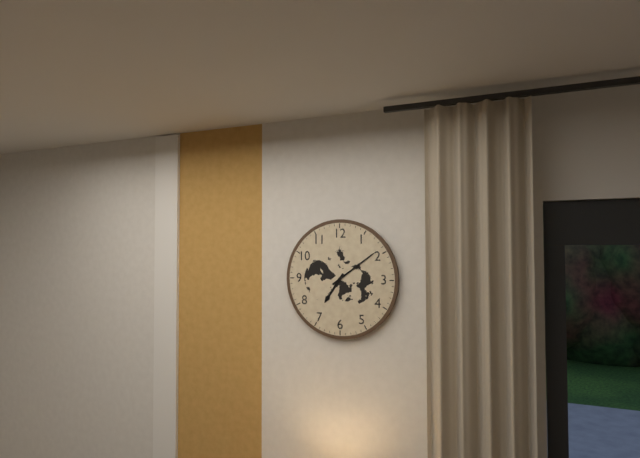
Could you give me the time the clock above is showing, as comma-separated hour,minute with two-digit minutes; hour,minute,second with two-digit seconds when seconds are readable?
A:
7,09
